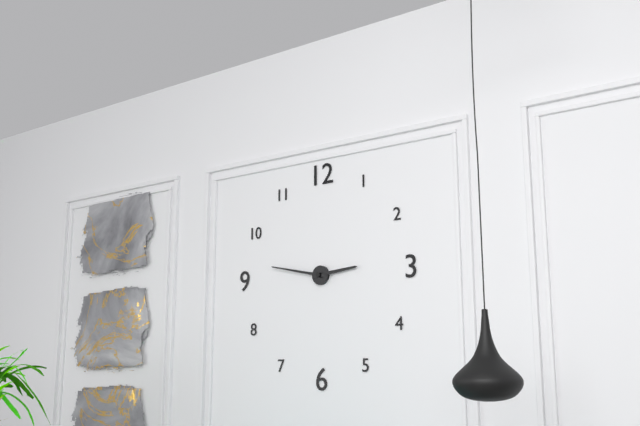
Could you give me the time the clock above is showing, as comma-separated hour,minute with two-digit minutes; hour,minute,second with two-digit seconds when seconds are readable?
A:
2,47
